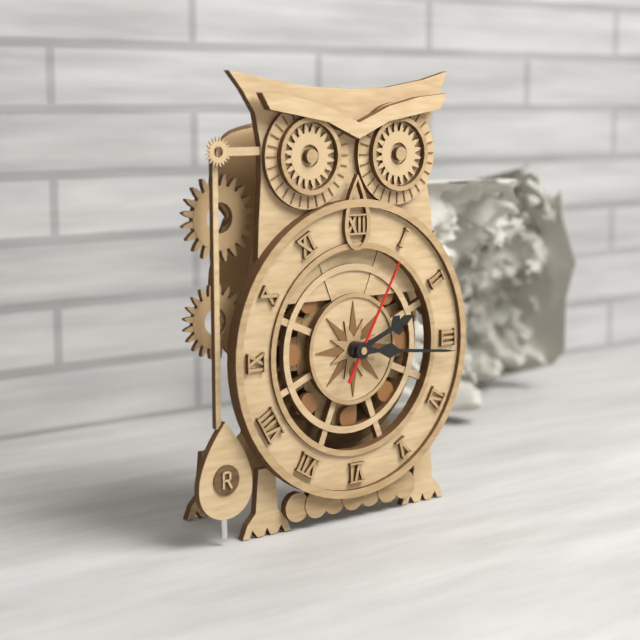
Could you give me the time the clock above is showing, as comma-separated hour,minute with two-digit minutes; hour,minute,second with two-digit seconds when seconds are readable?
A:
2,16,05
